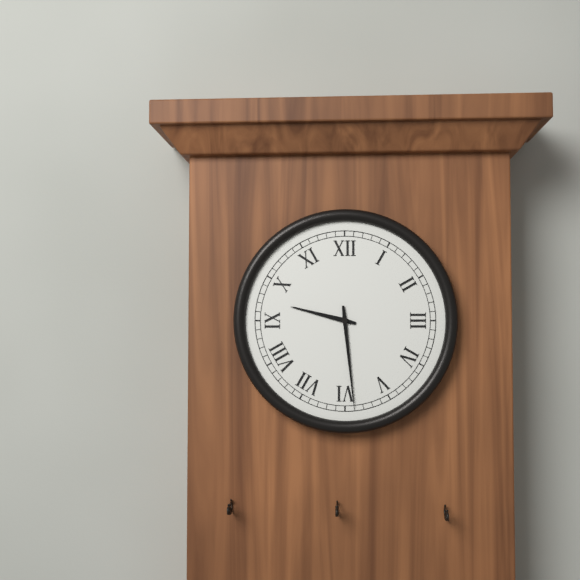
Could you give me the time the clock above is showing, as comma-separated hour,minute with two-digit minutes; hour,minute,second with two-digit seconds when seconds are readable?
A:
9,29
